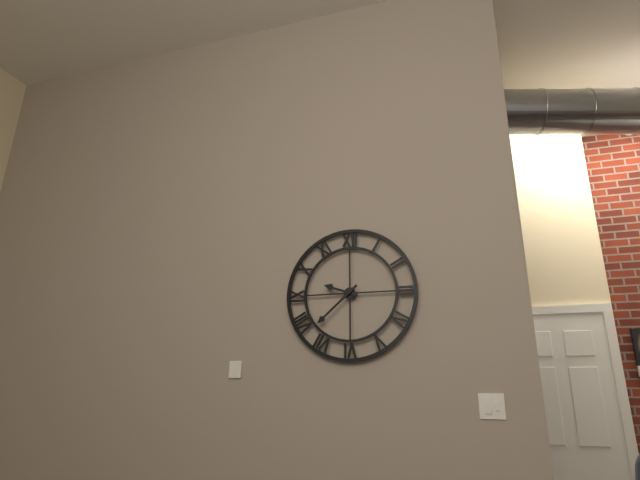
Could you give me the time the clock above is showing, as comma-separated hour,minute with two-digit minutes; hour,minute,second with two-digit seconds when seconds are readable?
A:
9,38
